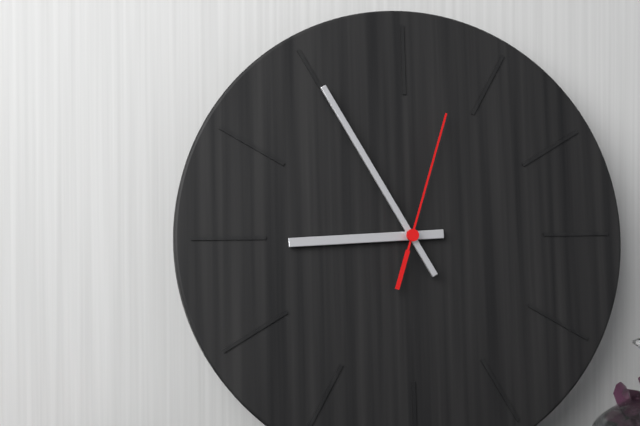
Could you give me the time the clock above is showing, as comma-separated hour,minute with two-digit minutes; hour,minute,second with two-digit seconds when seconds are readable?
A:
8,55,03
